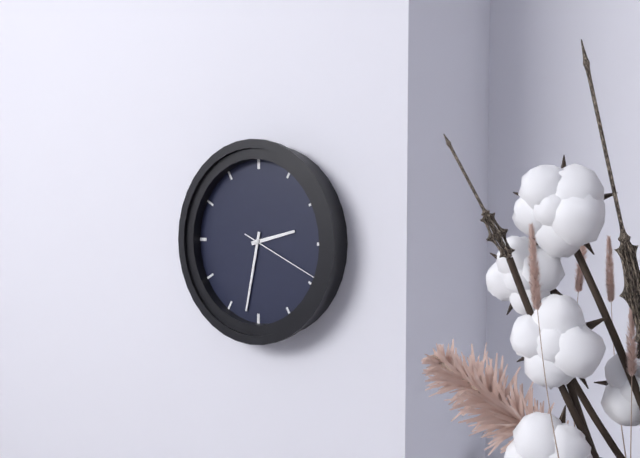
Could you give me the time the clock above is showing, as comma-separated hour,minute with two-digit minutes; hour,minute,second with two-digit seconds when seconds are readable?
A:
2,32,19
